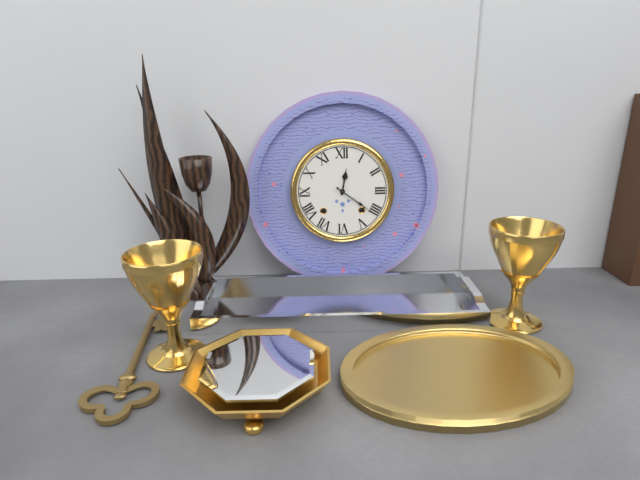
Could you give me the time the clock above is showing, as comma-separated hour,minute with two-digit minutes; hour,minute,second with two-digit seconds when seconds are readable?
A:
12,21
